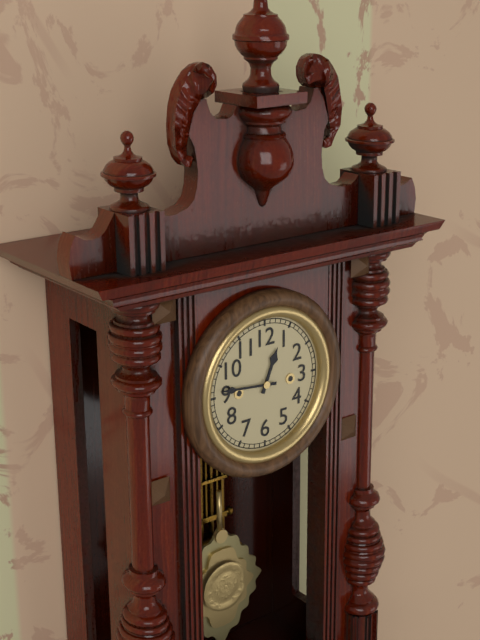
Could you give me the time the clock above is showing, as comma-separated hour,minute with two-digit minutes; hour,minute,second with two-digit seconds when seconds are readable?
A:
12,46
